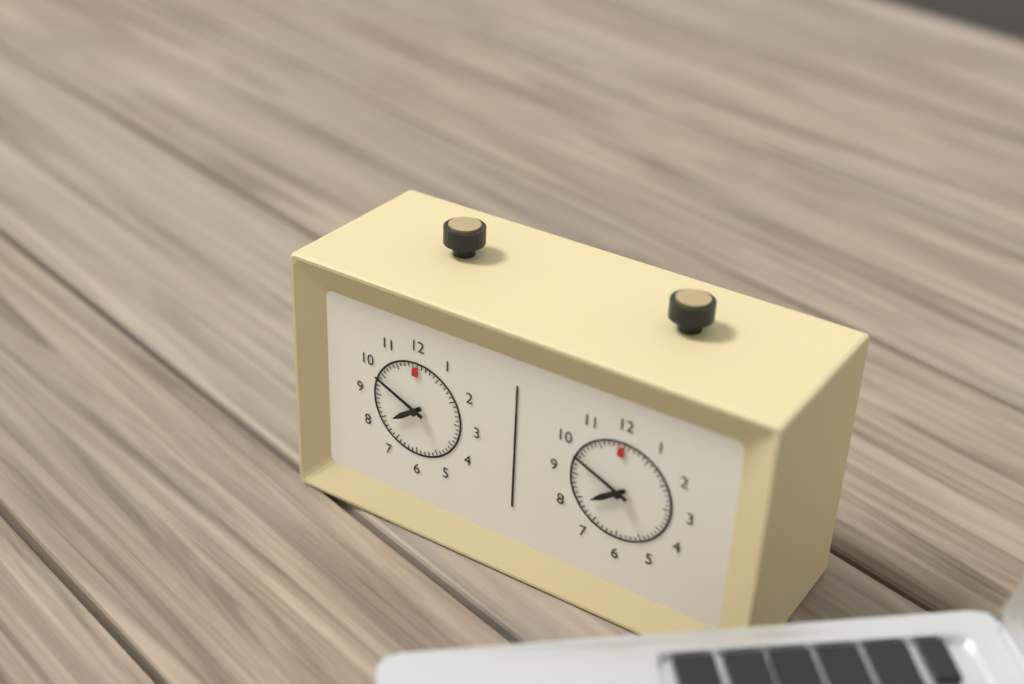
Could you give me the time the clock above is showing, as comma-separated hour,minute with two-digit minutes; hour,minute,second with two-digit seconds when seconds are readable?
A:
7,49
